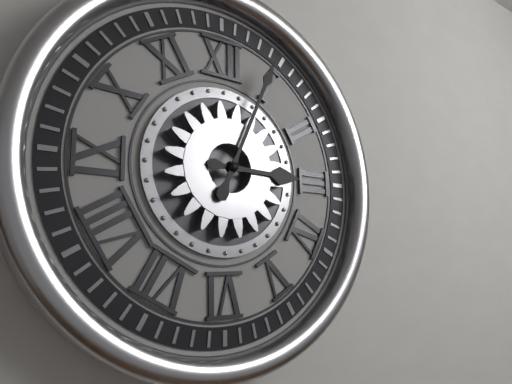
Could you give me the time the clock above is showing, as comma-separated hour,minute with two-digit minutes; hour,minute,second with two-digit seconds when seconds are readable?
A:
3,04
